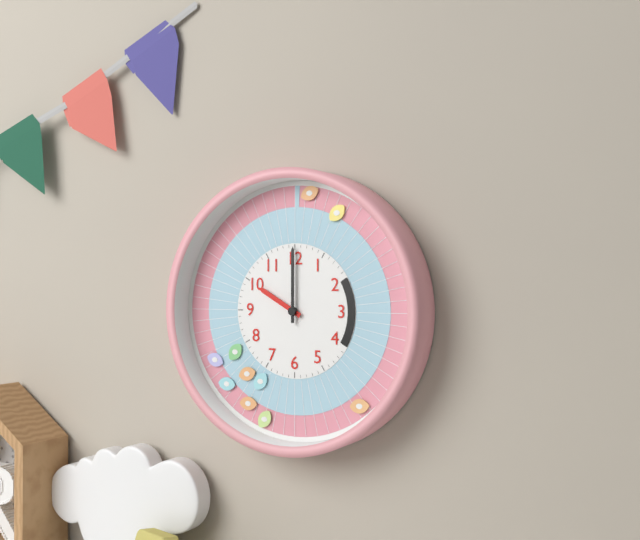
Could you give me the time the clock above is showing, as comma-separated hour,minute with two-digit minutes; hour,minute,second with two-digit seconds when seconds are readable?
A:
10,00
